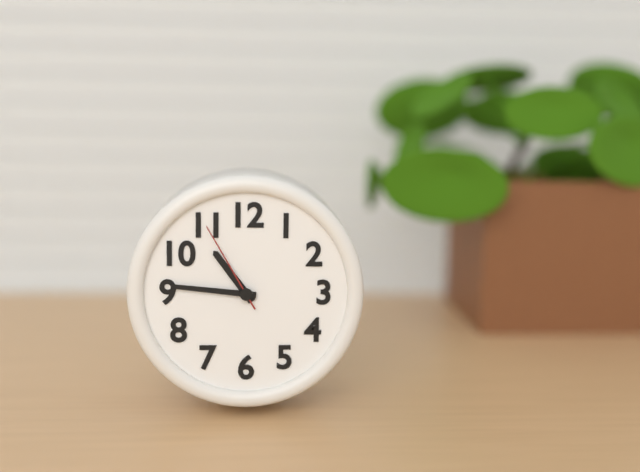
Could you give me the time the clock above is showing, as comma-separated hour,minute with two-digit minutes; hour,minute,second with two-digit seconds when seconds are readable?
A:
10,46,55
